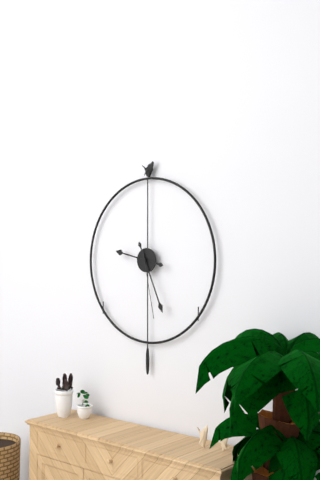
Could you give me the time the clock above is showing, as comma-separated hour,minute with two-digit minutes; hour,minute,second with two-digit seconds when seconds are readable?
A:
9,26,28
